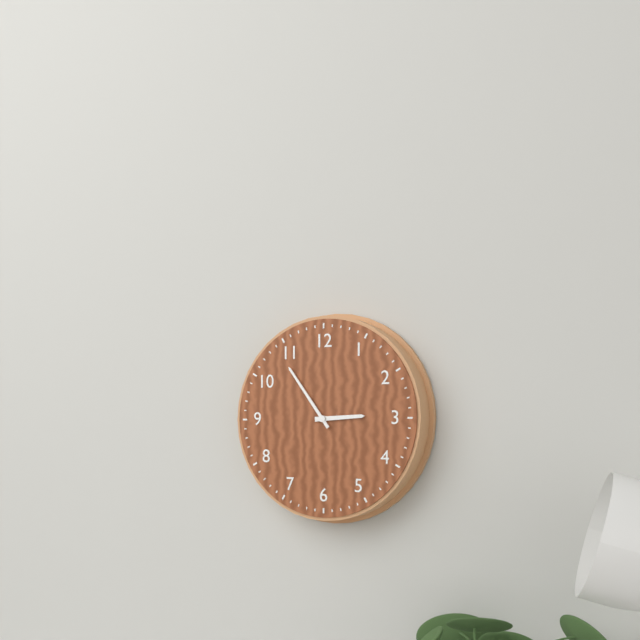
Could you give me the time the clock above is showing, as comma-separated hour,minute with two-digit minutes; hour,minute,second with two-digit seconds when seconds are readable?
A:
2,54
